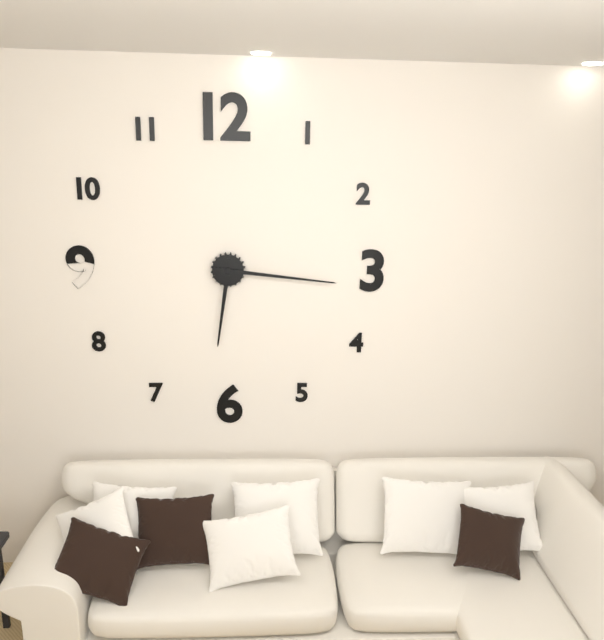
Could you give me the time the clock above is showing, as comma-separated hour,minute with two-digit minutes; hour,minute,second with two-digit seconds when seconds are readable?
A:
6,16
